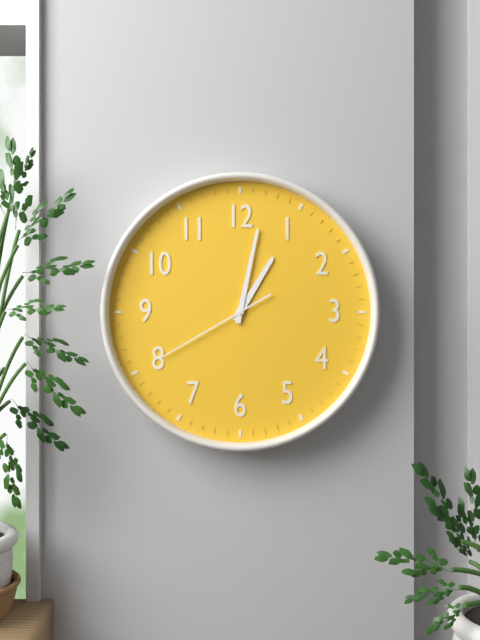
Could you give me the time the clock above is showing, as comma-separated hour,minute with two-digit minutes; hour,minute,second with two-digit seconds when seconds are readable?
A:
1,02,40
